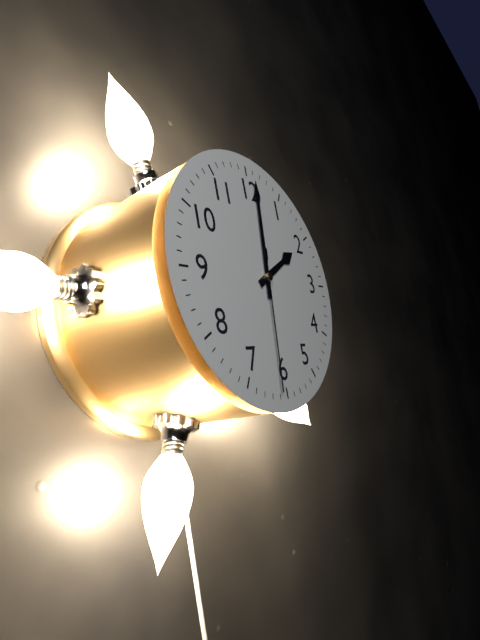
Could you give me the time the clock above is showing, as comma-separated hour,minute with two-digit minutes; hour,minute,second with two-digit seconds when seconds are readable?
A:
2,01,31
